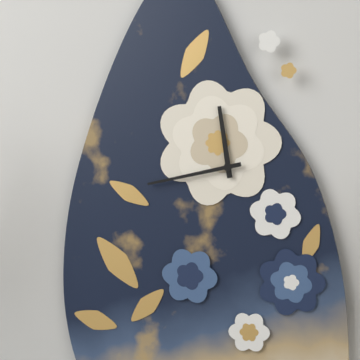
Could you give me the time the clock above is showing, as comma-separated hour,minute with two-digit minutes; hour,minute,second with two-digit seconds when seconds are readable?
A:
11,43
